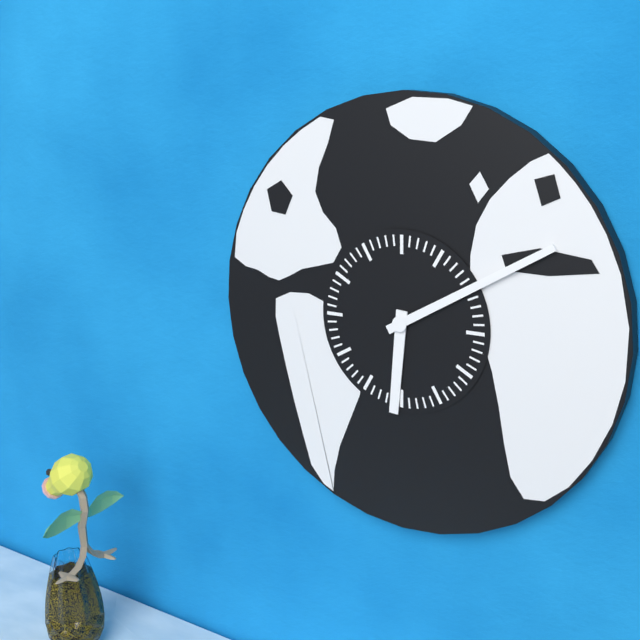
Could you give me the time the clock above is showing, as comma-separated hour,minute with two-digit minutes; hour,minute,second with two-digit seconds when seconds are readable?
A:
6,10
